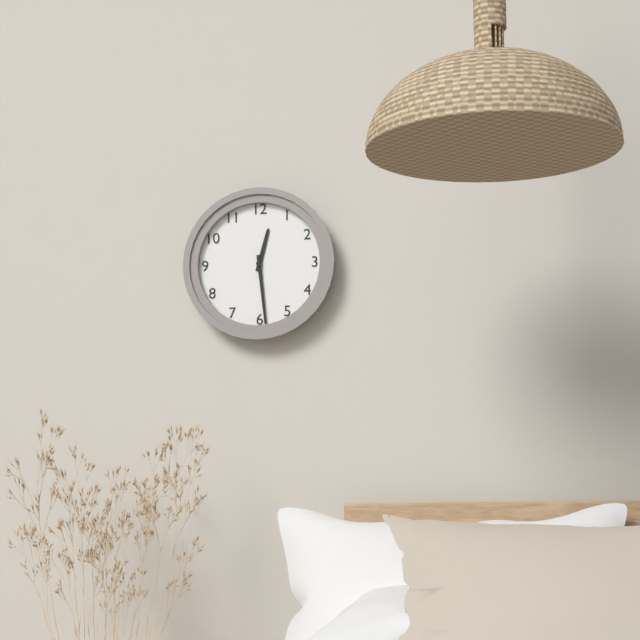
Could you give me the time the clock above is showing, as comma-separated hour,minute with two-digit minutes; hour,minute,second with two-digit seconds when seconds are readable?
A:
12,29
